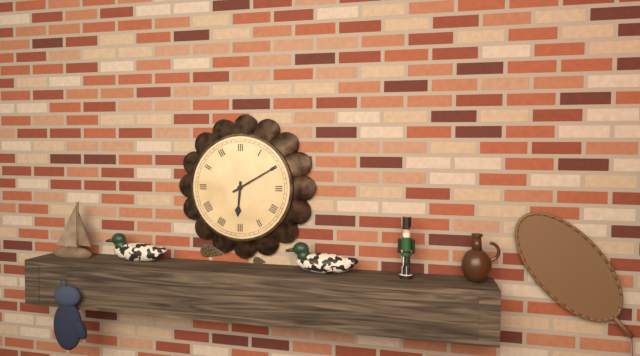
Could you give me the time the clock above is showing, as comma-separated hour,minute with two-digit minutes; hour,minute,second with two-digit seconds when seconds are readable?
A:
6,10
